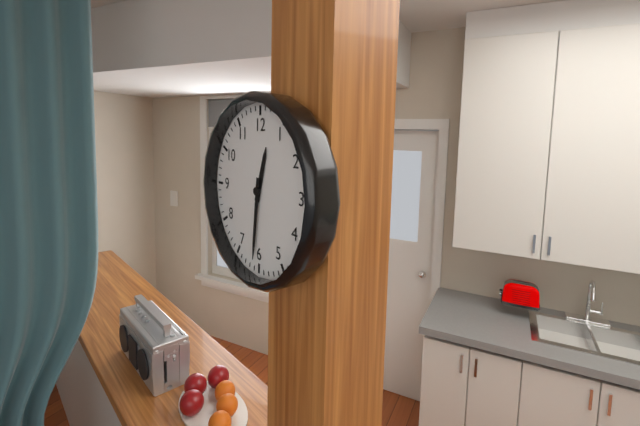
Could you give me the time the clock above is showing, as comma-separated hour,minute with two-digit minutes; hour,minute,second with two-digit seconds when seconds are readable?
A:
12,31
